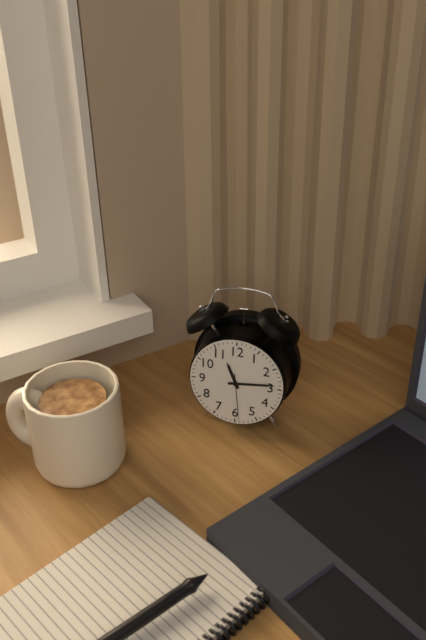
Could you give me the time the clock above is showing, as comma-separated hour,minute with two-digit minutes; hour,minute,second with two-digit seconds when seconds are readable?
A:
11,14
